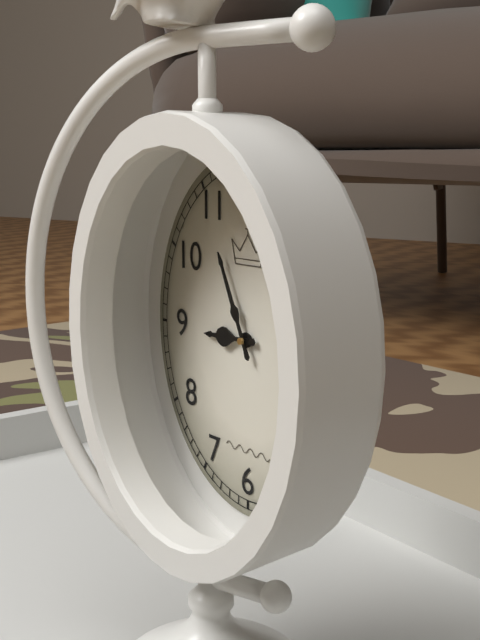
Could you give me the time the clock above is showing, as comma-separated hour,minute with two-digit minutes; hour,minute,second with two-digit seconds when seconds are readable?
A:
8,56
